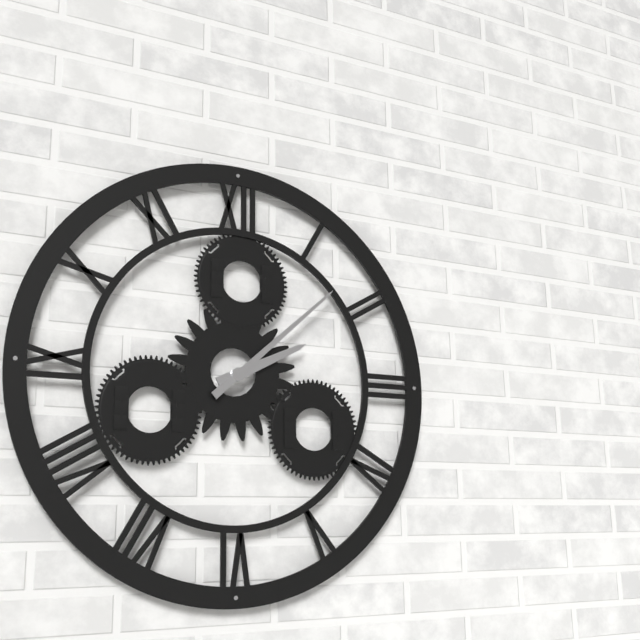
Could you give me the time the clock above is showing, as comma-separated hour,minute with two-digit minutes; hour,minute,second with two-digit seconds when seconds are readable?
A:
2,08
